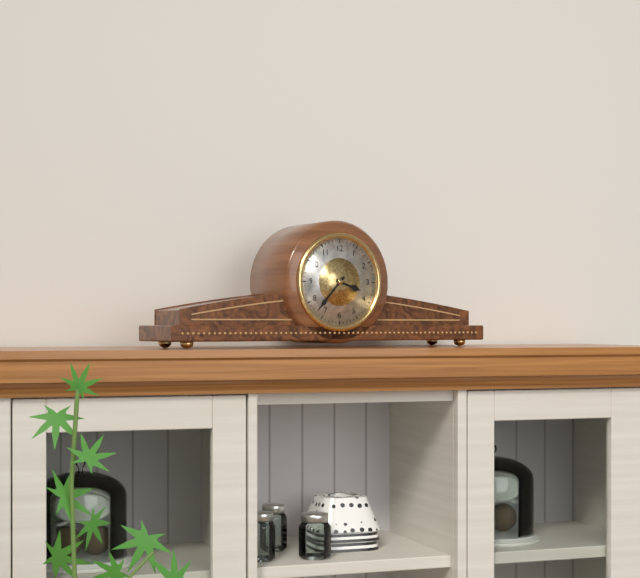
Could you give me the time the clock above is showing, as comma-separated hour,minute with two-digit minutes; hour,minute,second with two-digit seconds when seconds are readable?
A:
3,37
